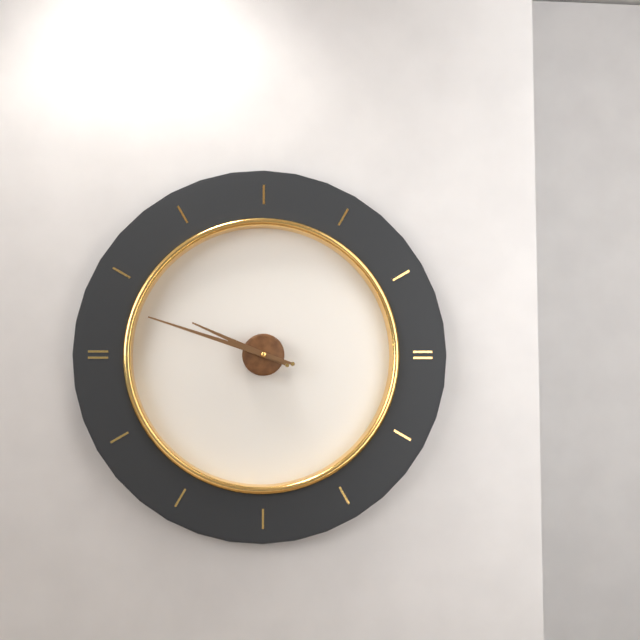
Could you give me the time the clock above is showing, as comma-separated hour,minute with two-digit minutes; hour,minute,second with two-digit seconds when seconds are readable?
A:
9,48
